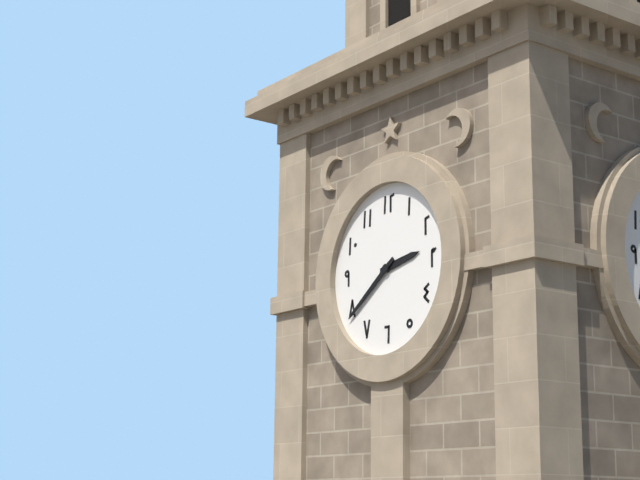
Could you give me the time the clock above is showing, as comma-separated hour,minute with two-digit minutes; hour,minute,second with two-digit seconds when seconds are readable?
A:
2,39
